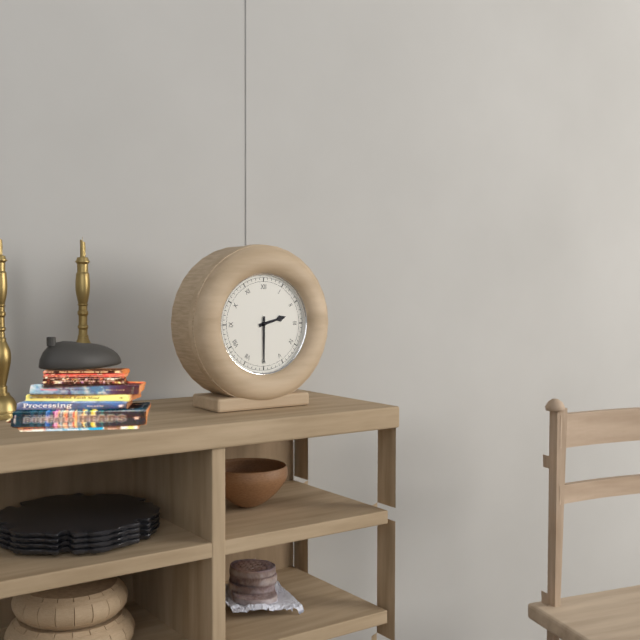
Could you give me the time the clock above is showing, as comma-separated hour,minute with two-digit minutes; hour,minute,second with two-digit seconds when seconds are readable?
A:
2,30
